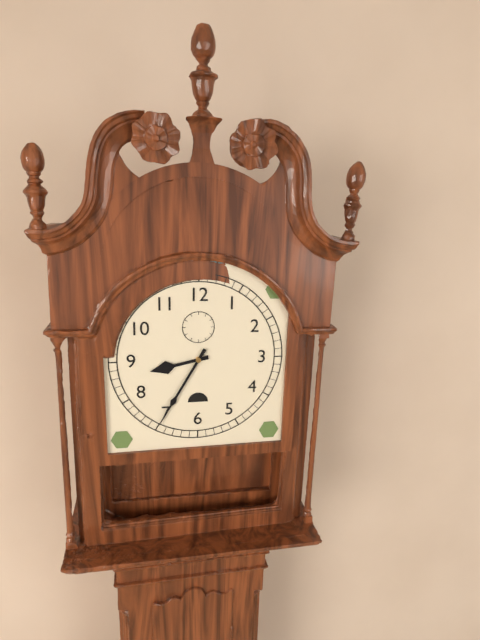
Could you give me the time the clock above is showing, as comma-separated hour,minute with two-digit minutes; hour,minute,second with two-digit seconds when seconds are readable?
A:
8,35
